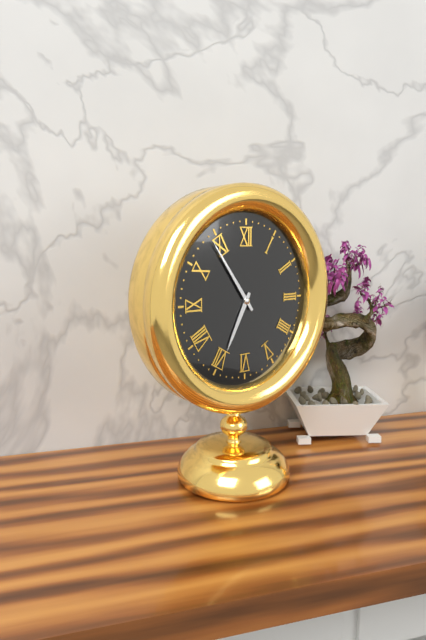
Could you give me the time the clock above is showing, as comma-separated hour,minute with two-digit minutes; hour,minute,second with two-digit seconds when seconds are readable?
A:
6,54
